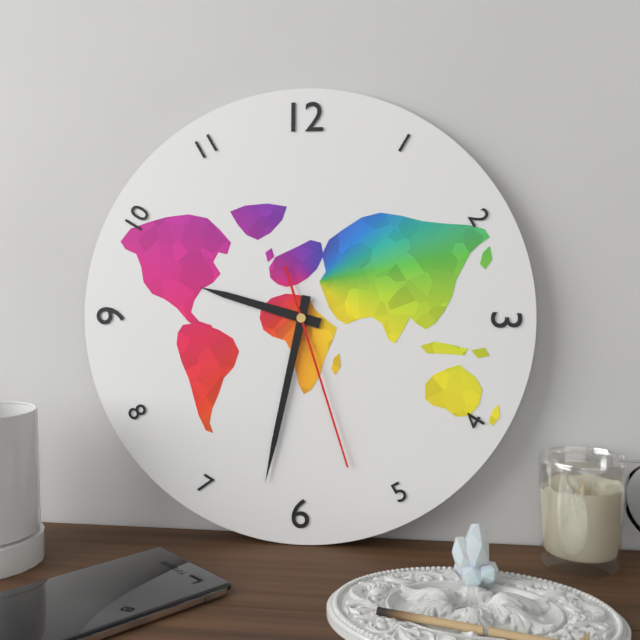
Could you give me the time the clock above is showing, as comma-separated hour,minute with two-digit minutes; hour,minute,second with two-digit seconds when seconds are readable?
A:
9,32,27
